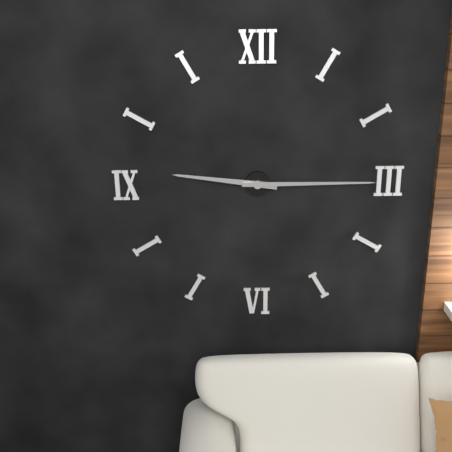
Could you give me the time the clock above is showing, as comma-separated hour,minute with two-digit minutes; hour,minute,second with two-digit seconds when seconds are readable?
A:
9,15
